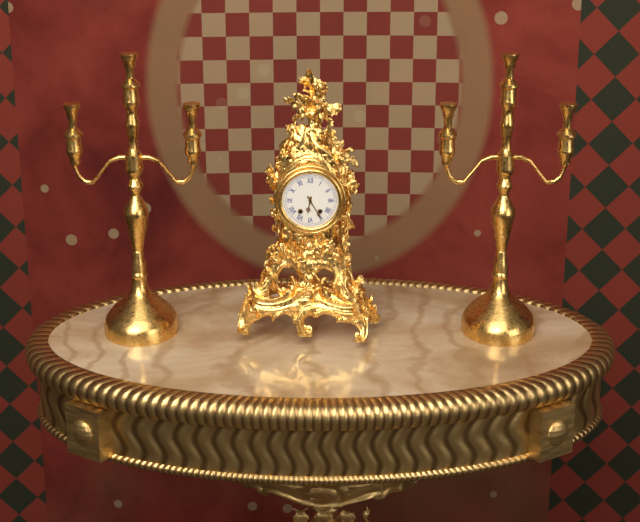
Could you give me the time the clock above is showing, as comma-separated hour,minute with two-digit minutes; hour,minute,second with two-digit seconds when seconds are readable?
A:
6,25
